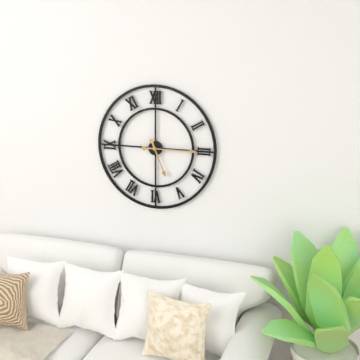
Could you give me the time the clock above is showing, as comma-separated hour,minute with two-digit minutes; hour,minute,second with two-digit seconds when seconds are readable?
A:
5,15
